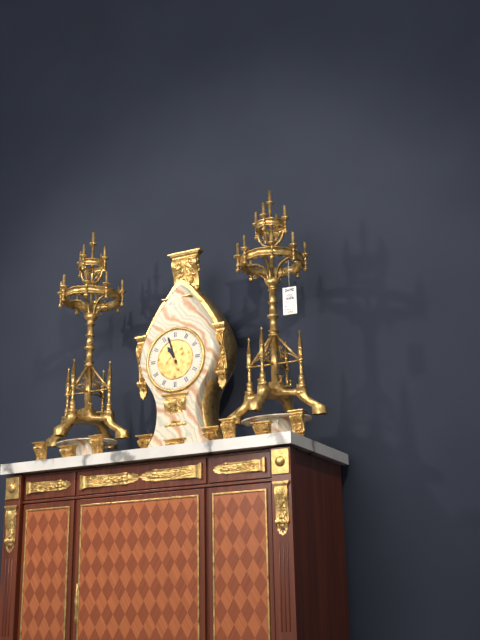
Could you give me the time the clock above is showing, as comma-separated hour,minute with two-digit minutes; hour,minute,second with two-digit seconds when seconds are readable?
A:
10,57
